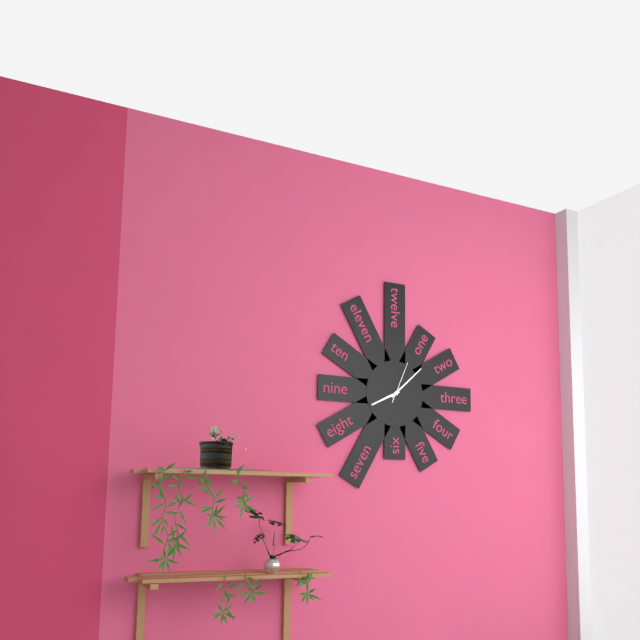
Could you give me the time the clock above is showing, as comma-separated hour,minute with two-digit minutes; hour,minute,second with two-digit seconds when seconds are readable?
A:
8,08
